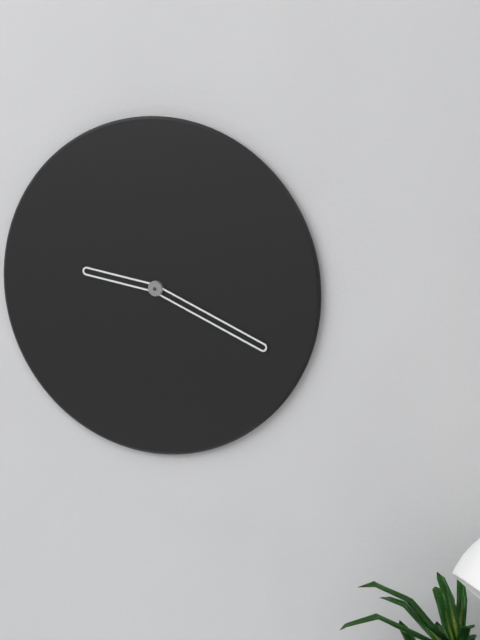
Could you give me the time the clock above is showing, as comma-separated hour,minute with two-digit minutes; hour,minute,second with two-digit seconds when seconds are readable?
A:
9,19
